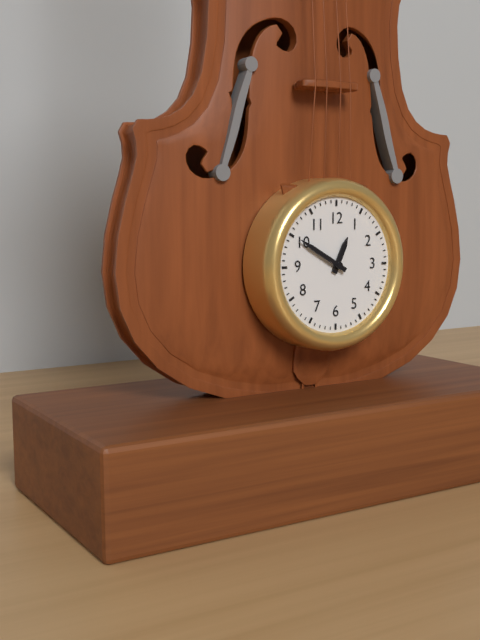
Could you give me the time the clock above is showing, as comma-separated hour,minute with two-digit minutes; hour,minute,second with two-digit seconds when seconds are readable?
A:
12,50
